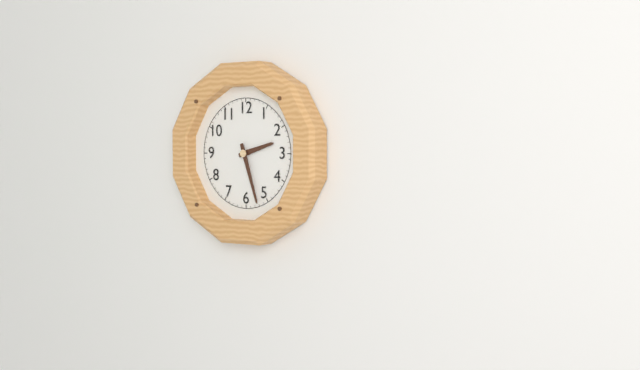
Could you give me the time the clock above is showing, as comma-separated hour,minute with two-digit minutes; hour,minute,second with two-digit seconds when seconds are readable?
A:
2,27
